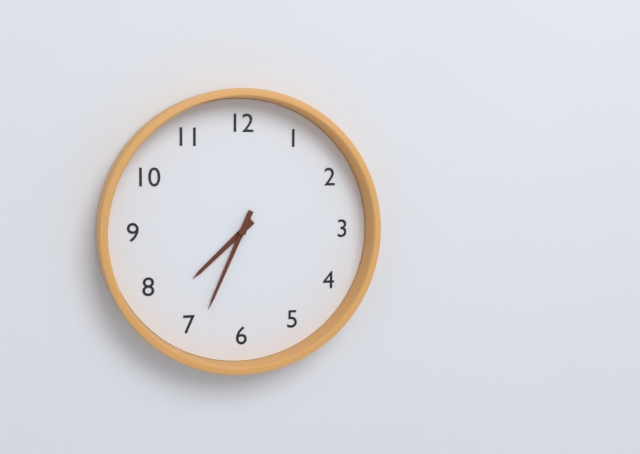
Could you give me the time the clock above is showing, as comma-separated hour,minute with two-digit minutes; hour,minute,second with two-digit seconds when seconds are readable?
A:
7,34
